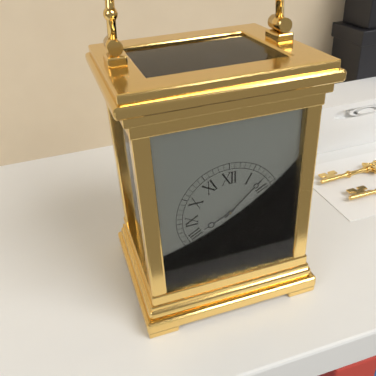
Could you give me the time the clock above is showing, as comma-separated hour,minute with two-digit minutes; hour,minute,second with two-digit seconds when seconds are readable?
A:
8,08
